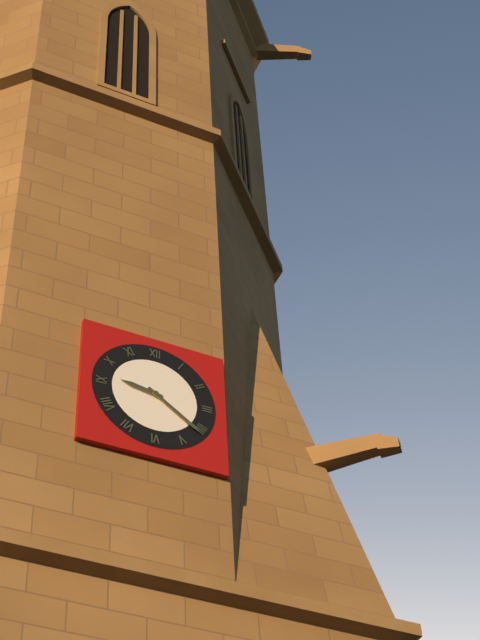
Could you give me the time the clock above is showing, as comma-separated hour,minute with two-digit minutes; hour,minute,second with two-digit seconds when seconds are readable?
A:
9,21
